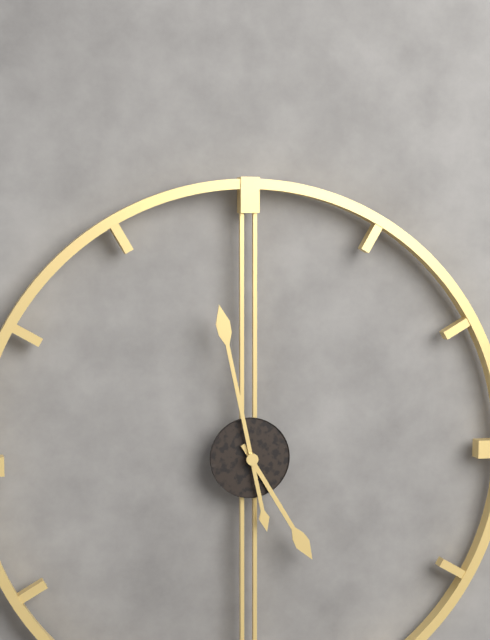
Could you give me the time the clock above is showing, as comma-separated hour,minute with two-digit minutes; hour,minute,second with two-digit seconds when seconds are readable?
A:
4,58
